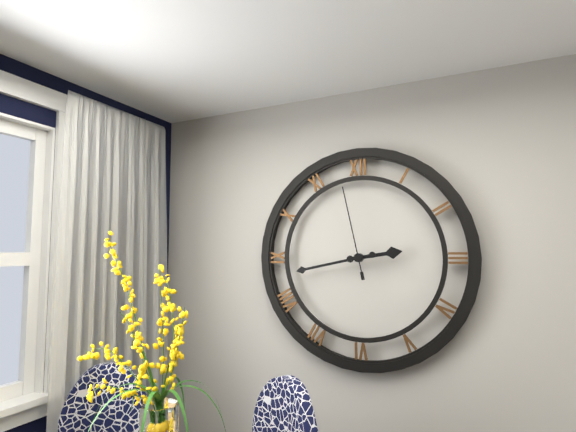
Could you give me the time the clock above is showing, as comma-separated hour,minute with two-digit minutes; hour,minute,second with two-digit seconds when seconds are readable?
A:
2,43,58
